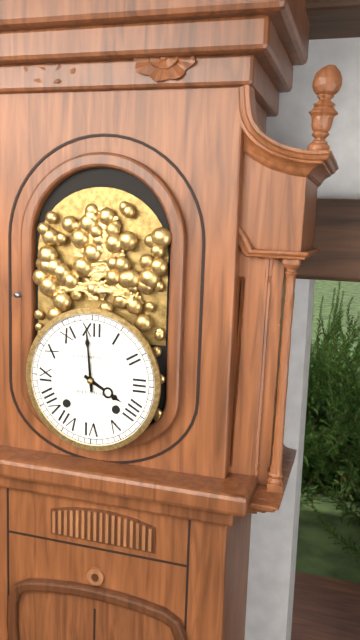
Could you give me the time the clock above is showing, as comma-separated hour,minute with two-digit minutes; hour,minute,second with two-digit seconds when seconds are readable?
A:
3,59
